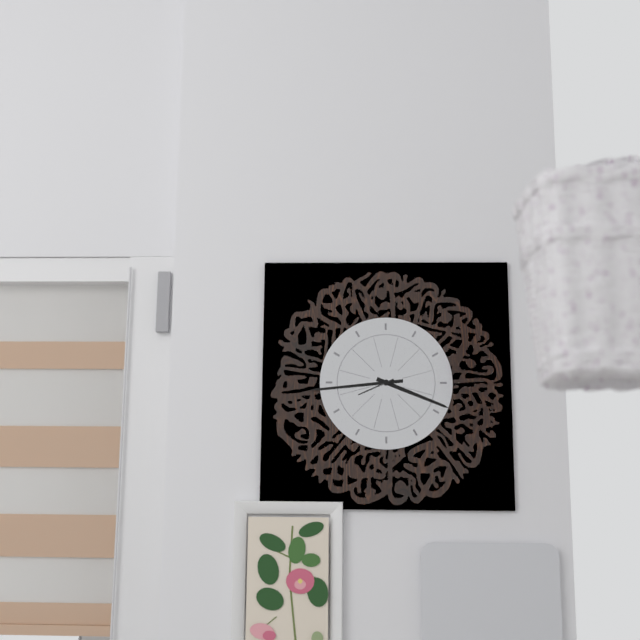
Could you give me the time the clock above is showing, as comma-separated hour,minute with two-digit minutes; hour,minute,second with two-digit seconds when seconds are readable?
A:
3,44
